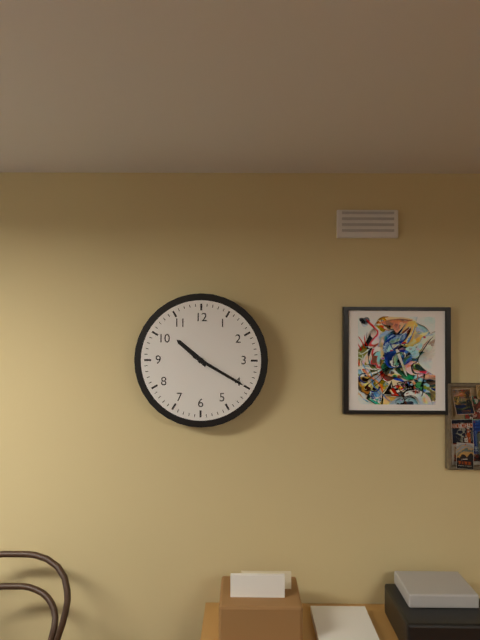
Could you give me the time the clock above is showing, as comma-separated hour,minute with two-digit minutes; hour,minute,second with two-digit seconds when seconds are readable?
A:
10,20
